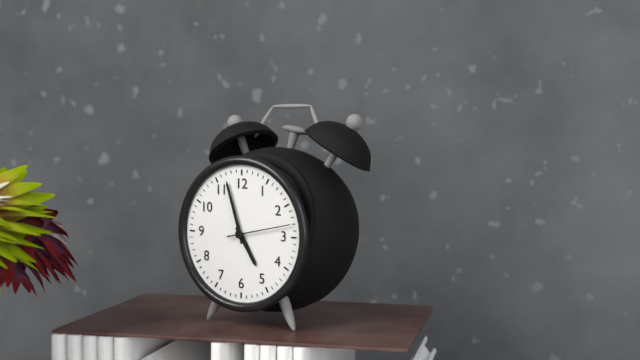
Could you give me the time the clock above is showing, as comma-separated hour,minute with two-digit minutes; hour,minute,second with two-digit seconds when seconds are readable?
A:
4,57,13
